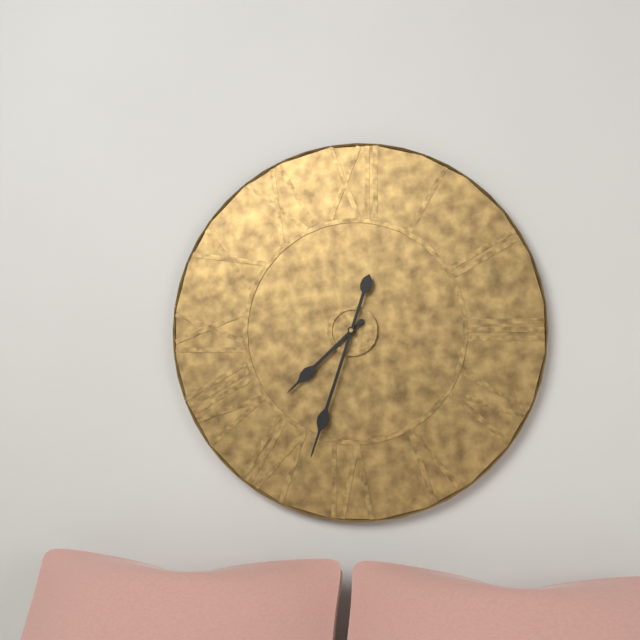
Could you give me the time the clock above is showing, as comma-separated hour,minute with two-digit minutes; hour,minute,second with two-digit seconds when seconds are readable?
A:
7,33
